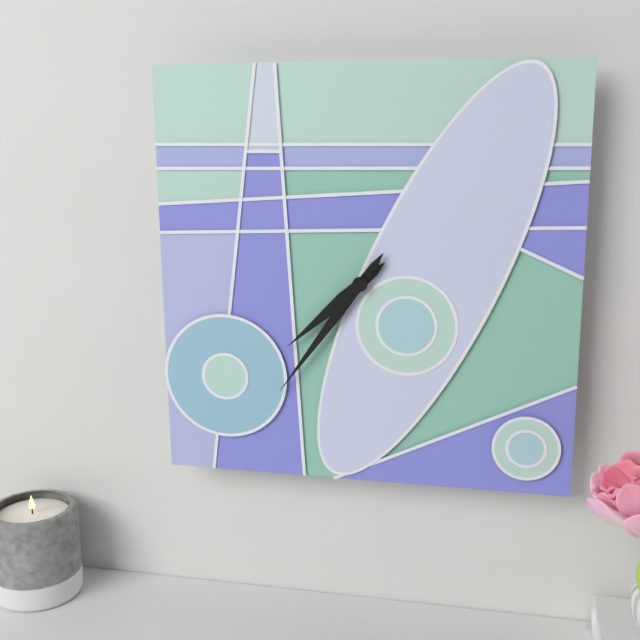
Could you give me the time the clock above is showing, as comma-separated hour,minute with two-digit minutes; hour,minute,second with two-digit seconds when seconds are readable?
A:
7,36
